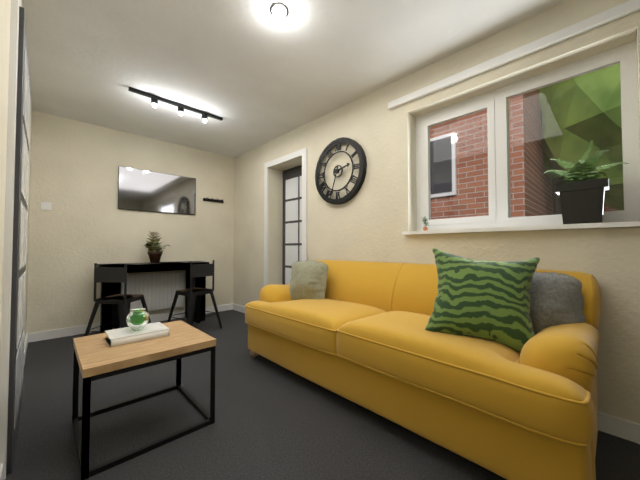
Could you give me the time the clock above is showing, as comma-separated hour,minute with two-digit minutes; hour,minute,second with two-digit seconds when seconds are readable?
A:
2,33
